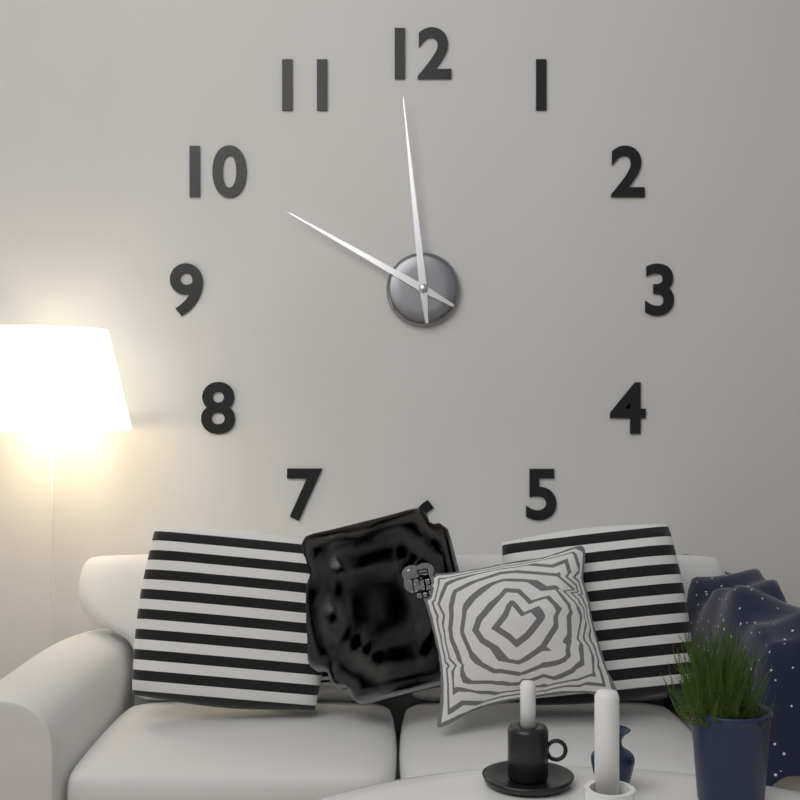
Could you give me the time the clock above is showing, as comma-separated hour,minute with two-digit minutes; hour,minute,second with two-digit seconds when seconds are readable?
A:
9,59
